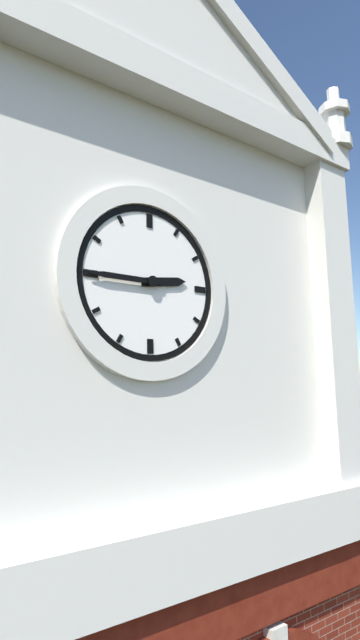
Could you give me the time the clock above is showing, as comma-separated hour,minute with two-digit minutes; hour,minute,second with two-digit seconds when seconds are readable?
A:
2,45
